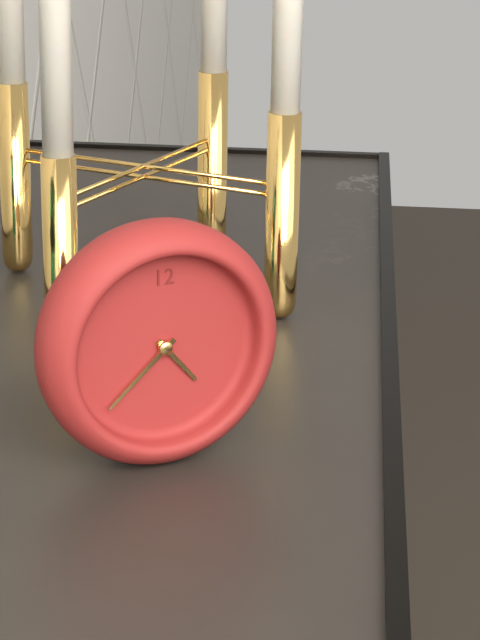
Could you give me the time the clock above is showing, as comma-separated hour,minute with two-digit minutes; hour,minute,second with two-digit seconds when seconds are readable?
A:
4,38
